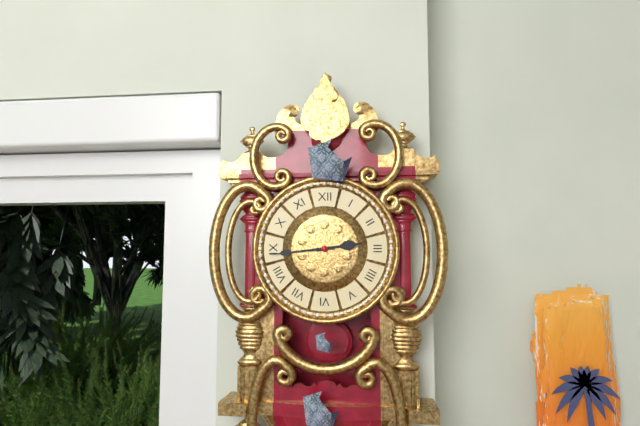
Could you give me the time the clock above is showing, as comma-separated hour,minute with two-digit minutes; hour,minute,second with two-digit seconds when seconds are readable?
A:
2,44
